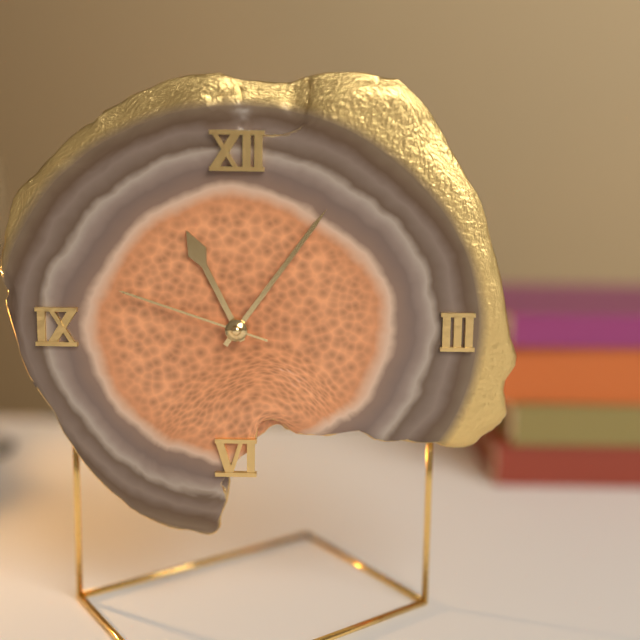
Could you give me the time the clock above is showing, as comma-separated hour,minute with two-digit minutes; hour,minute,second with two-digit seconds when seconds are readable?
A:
11,06,48
